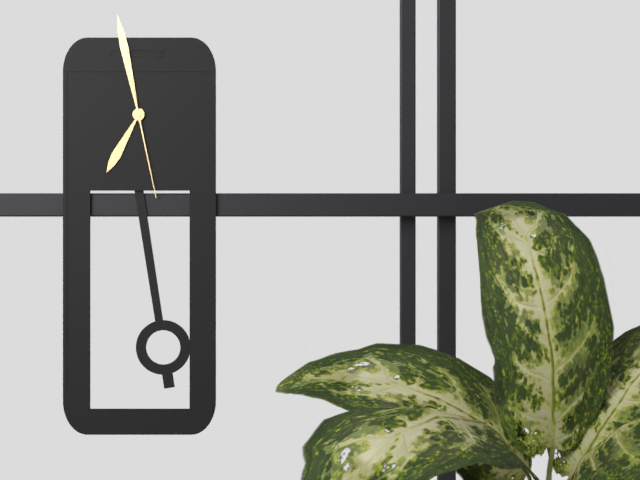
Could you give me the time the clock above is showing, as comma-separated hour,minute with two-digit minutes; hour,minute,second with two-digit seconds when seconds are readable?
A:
6,58,28
